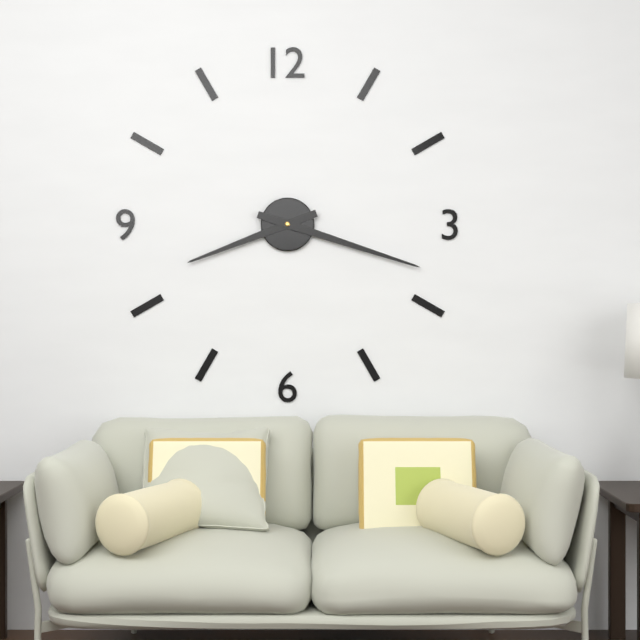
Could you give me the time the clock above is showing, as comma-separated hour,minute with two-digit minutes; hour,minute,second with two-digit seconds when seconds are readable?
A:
8,18
